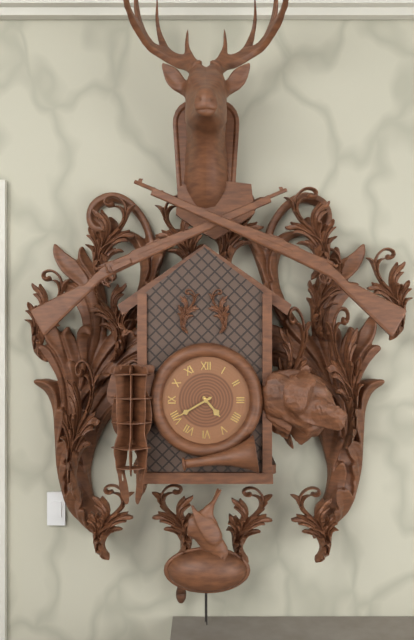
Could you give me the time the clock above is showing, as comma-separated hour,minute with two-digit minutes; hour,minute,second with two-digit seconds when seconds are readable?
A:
4,40
